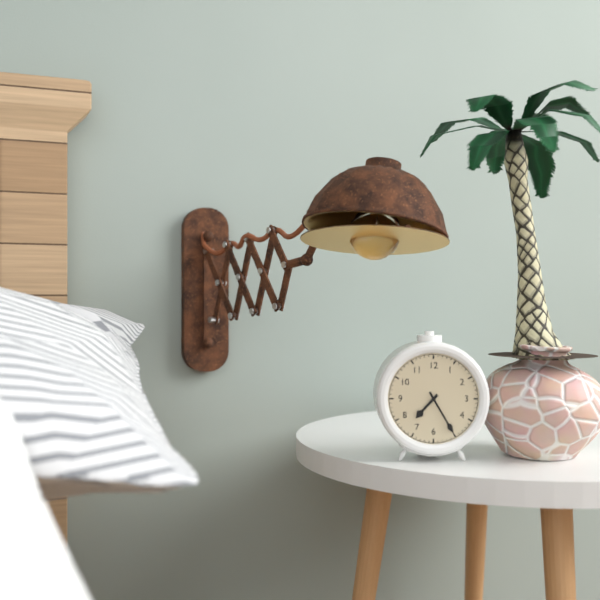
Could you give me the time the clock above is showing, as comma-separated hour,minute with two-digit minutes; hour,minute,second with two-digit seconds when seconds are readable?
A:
7,25
